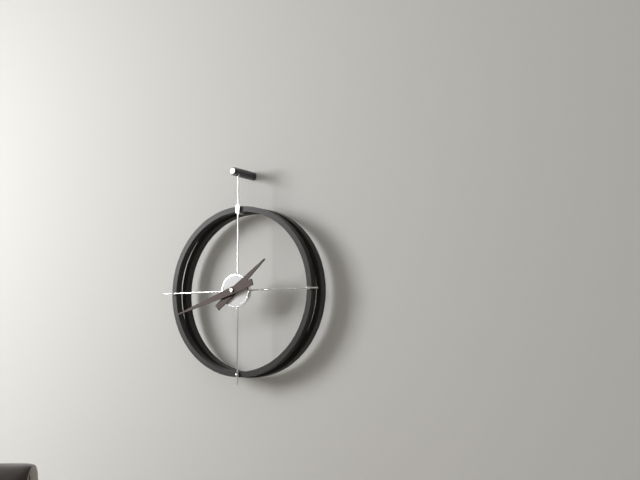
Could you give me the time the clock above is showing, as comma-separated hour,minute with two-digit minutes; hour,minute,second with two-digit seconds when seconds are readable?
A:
1,42
